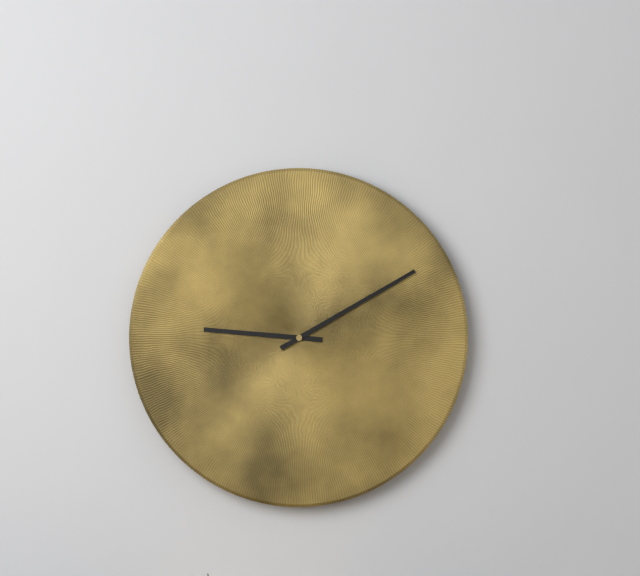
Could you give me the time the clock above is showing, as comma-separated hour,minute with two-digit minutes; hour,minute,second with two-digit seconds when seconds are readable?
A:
9,10
